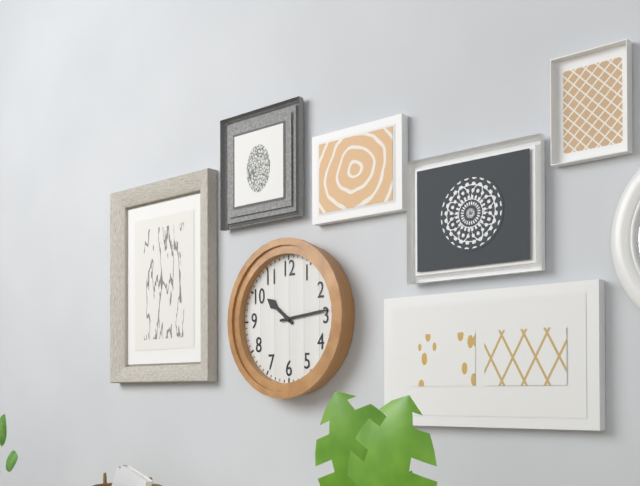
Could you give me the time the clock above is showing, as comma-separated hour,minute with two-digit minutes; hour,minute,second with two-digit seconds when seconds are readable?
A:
10,14
